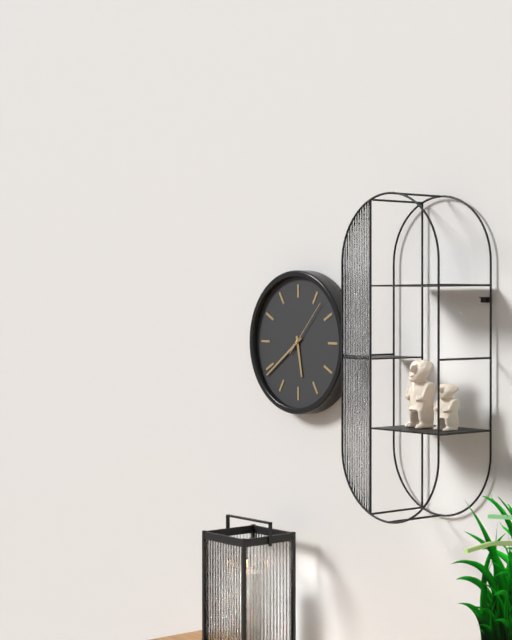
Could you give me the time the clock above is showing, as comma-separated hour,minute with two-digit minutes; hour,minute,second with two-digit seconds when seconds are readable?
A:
5,39,07
